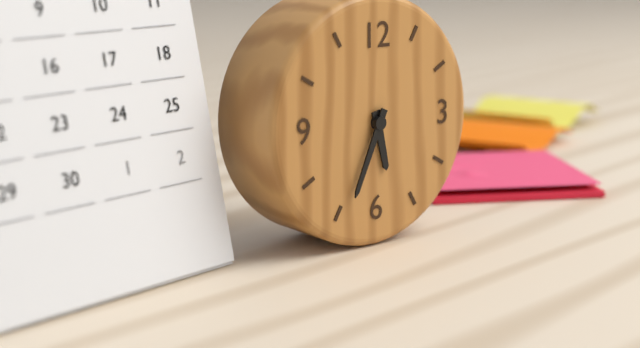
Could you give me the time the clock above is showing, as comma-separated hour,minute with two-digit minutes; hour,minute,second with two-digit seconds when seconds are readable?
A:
5,34
